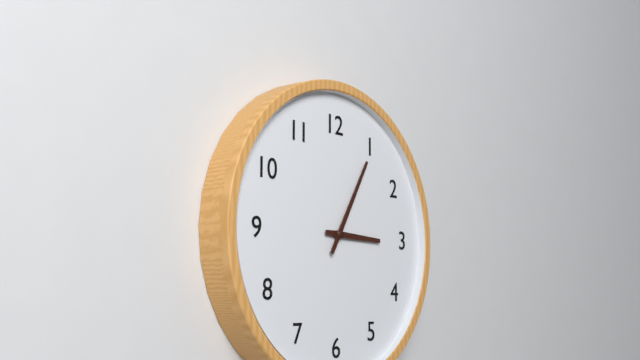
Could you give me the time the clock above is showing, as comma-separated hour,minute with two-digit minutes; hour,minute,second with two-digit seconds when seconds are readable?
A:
3,05
